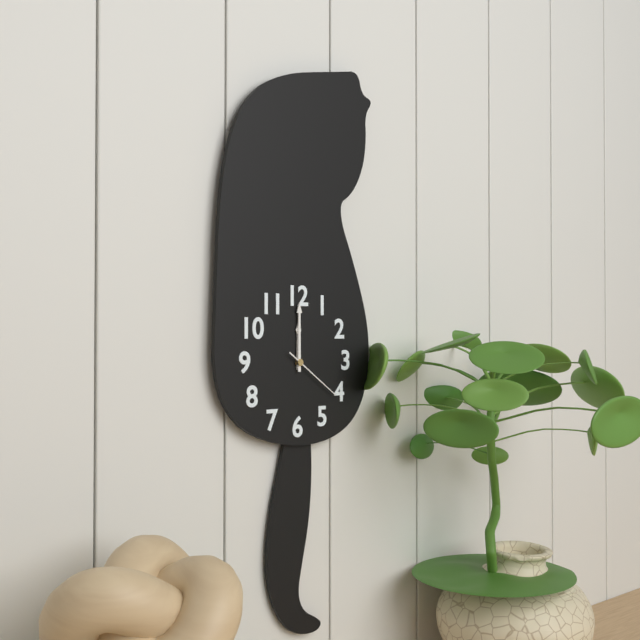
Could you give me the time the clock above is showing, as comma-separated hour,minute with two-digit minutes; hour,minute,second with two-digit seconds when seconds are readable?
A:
12,00,21
